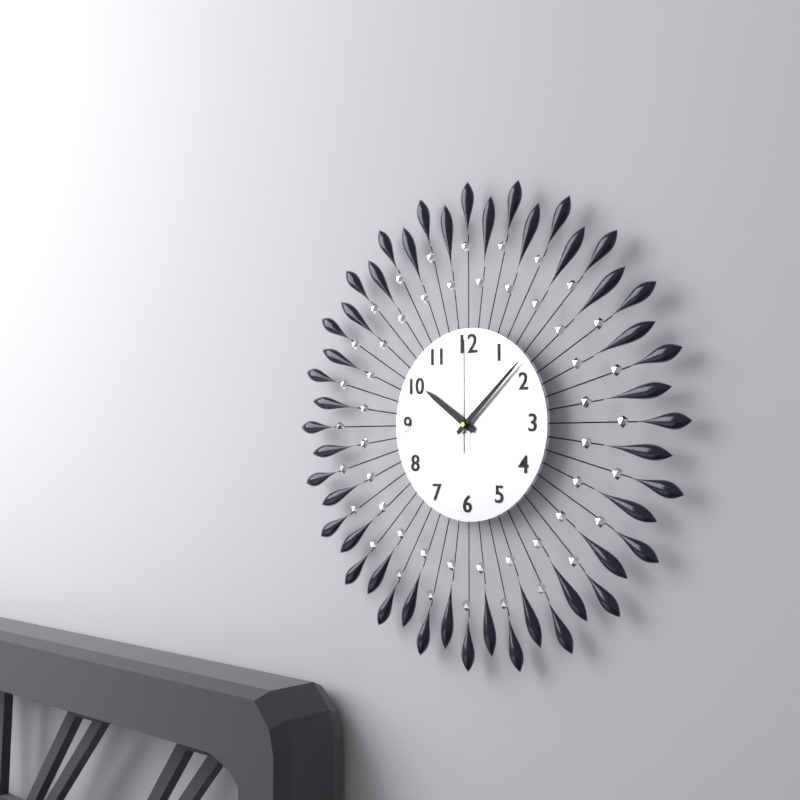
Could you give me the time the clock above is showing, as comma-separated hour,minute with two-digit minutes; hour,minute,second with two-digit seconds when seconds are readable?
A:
10,08,00
